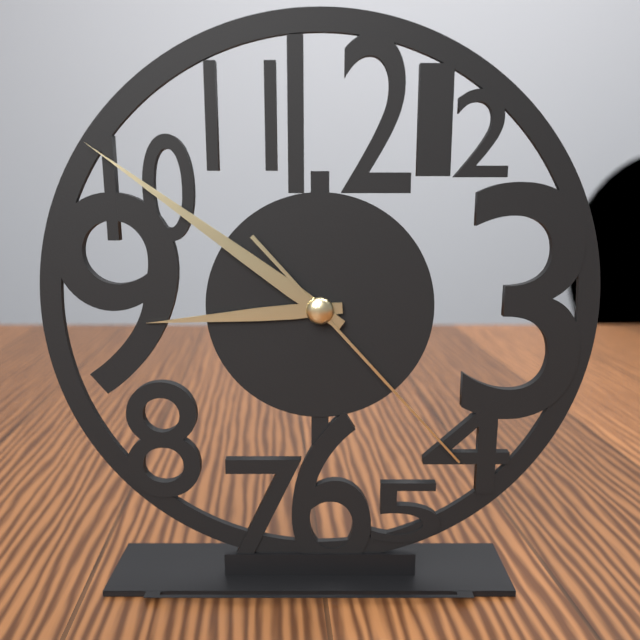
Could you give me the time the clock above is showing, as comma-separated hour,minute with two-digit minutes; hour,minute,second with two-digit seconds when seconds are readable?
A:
8,51,23
